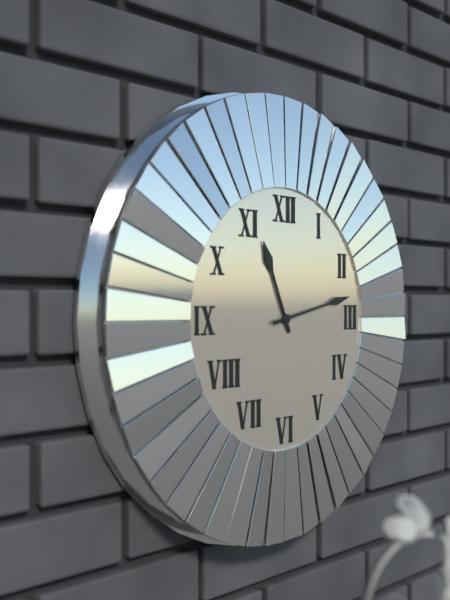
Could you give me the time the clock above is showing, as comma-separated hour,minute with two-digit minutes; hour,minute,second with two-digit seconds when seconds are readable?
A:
11,13
